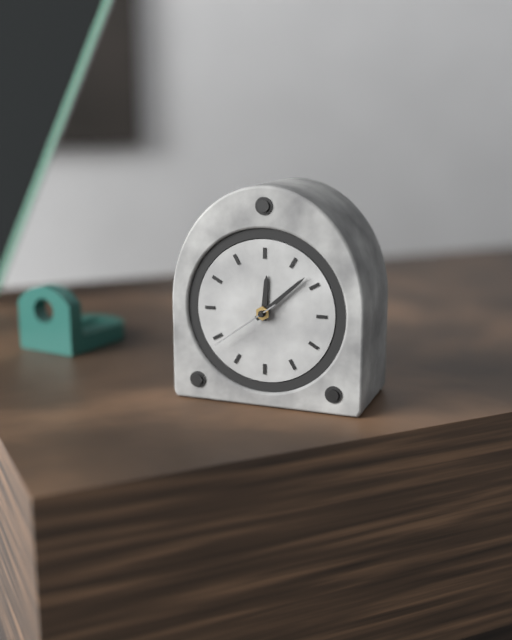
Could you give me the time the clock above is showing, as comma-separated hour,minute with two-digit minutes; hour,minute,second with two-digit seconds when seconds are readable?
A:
12,08,39
